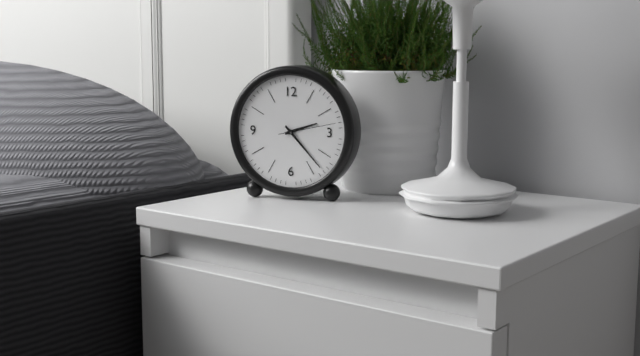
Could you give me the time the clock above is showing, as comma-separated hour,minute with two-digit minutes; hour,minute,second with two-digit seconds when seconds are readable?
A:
2,23,13
